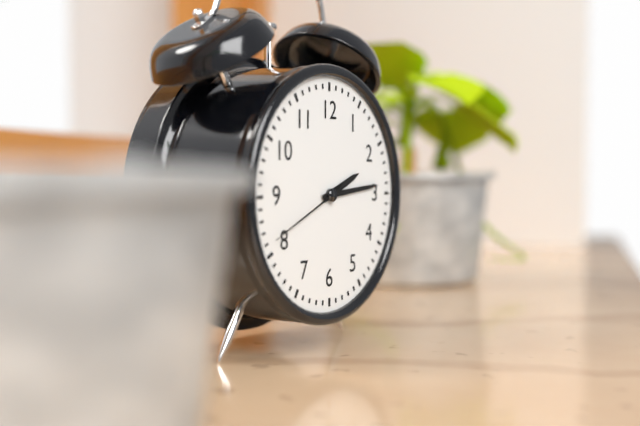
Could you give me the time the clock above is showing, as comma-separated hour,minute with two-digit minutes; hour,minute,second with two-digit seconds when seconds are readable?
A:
2,14,41
